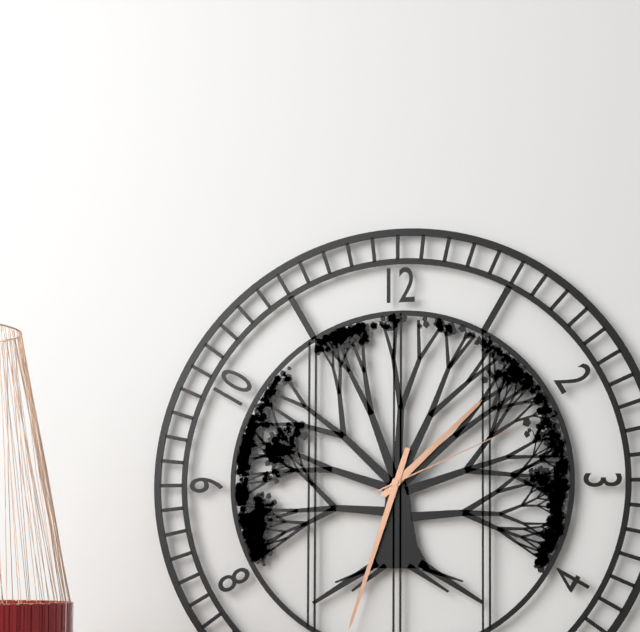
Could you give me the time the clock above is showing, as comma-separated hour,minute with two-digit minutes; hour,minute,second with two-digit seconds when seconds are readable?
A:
1,33,11
